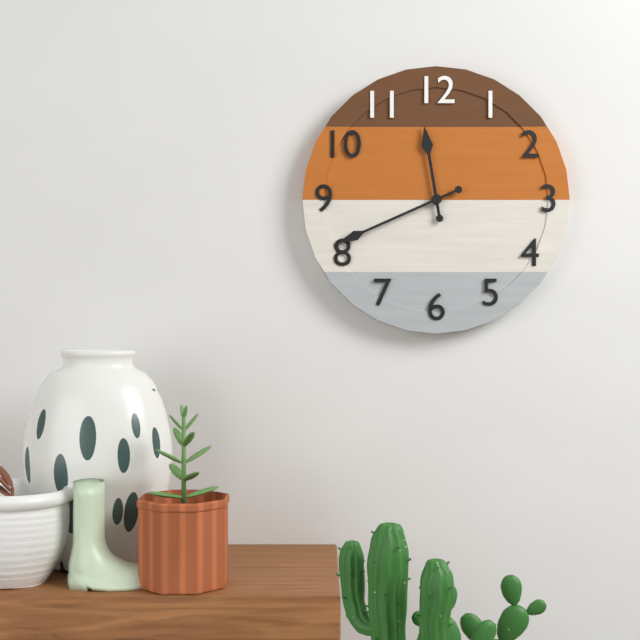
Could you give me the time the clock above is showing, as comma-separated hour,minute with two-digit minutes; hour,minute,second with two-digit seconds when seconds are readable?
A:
11,41
